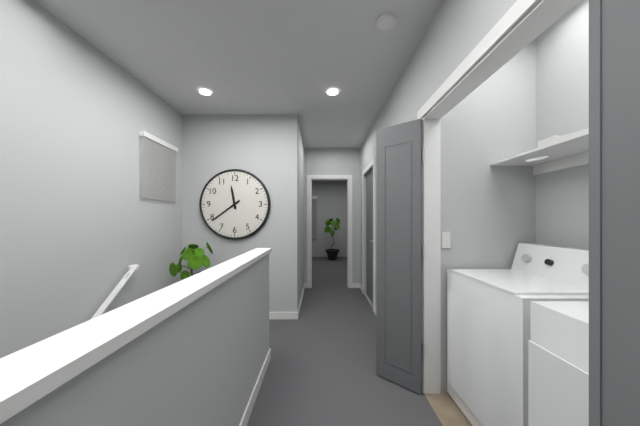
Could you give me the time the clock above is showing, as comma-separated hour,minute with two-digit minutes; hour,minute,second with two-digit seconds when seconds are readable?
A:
11,39
